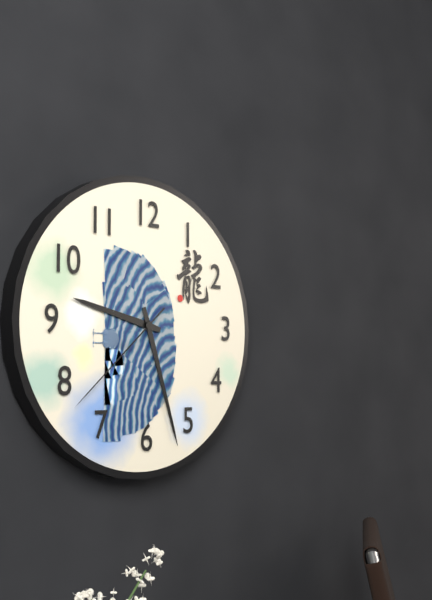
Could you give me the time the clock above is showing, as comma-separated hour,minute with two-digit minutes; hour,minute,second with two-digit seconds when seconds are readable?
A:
9,27,38
